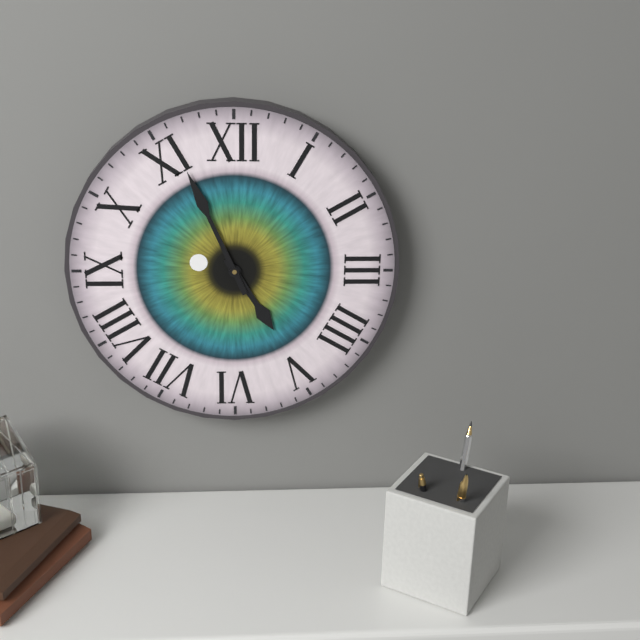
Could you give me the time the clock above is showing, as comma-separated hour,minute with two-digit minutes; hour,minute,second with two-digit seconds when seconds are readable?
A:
4,56
